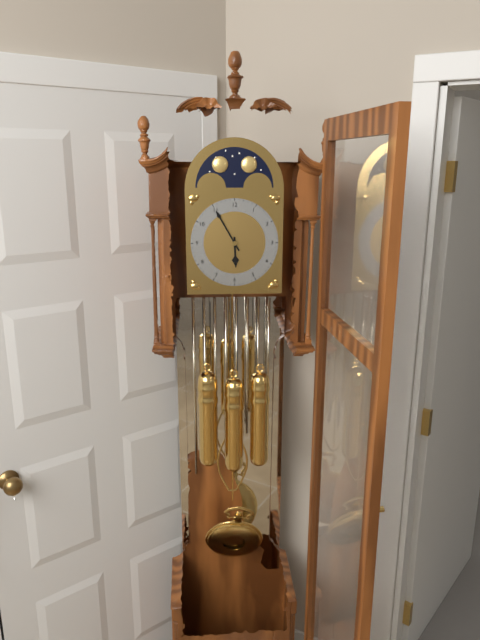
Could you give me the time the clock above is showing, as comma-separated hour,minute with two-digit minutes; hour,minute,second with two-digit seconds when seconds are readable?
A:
5,55
